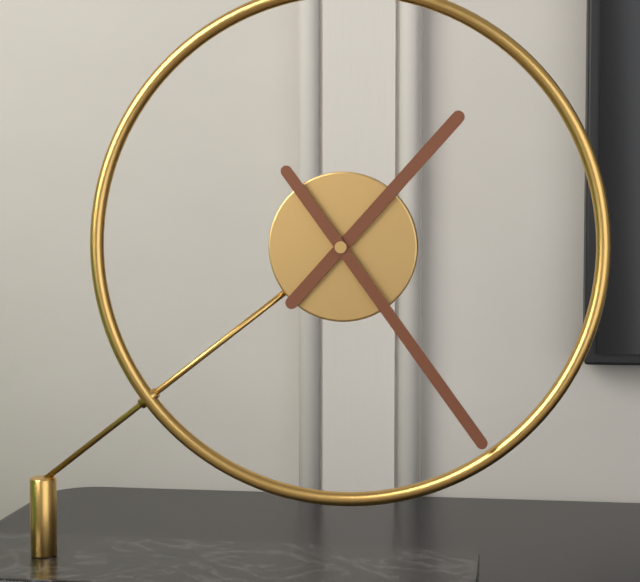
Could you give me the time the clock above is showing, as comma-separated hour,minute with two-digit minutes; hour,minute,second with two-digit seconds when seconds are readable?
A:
1,24
